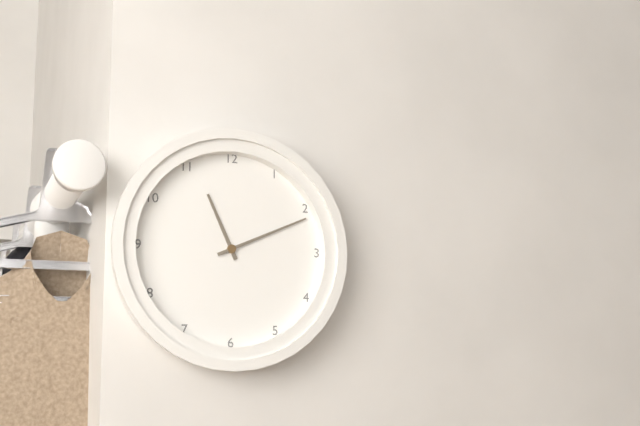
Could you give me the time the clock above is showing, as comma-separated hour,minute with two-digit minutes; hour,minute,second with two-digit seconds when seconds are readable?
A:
11,11
